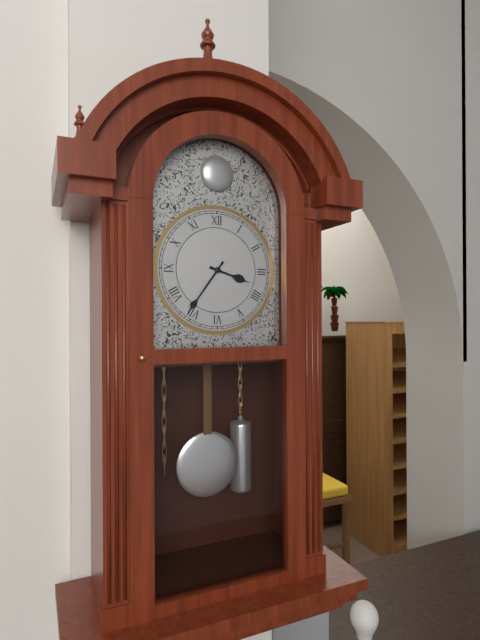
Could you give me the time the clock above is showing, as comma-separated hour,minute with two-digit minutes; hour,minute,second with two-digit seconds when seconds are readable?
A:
3,36
